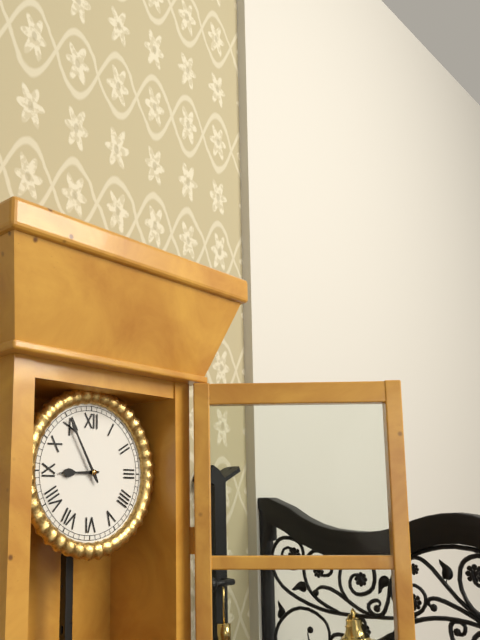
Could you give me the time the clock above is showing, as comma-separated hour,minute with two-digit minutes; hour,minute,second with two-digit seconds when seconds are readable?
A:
8,55
